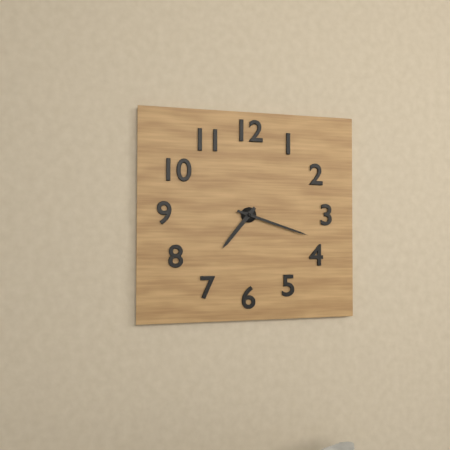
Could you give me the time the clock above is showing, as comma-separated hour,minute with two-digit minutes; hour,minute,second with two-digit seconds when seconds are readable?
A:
7,18
